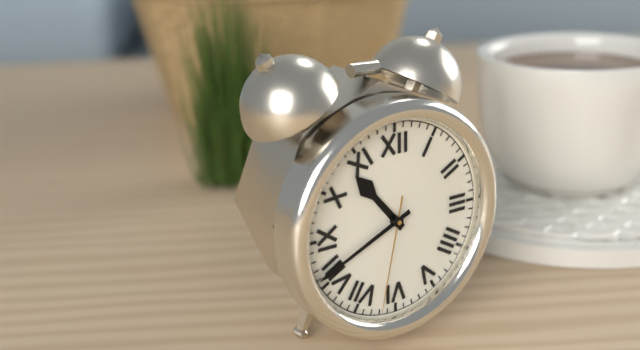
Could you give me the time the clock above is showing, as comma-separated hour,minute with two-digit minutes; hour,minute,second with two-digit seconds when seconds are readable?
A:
10,41,32
